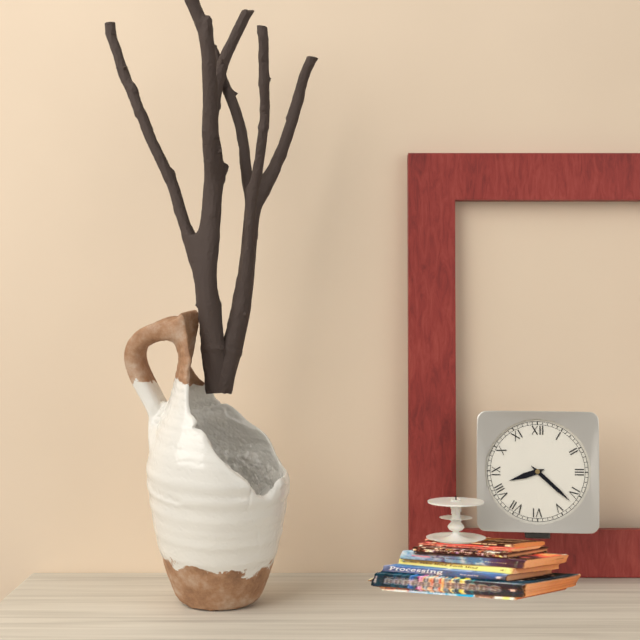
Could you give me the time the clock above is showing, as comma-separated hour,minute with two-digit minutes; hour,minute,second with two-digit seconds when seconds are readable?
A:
8,22
